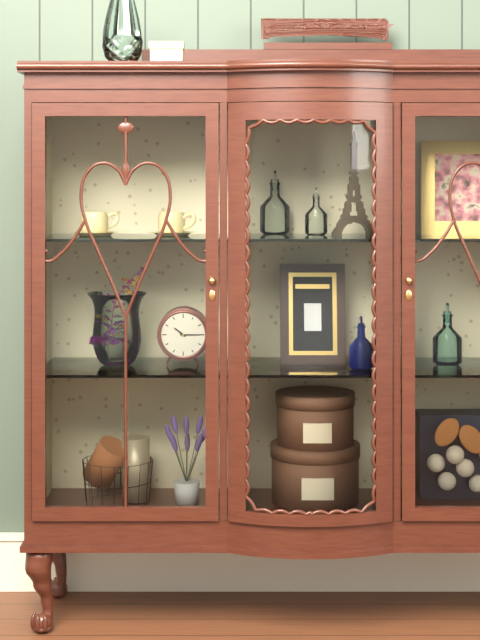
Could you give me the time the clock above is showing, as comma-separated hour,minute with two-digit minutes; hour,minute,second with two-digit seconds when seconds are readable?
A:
10,15
